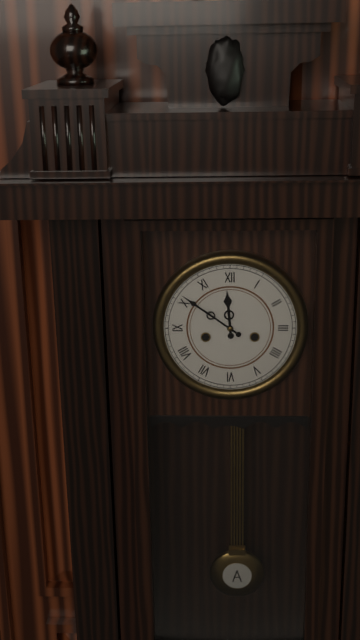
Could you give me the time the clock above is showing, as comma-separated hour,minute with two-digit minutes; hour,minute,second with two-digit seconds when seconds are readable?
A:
11,51
